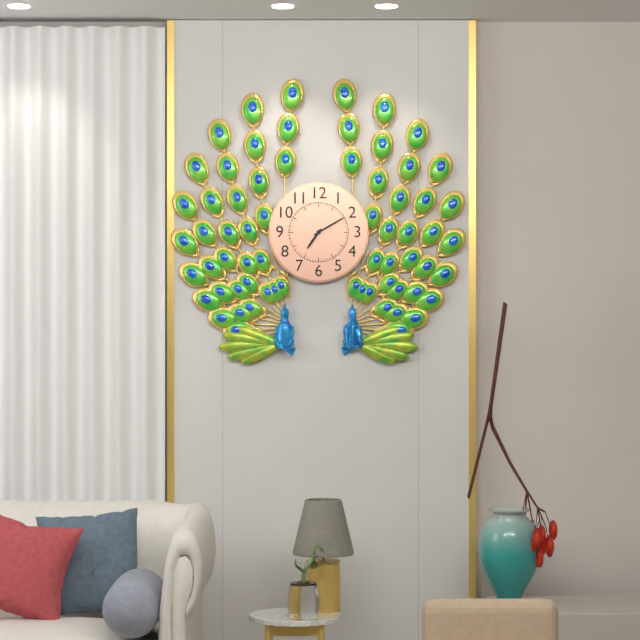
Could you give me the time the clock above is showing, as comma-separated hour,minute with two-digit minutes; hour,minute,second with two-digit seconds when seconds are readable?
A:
7,10
